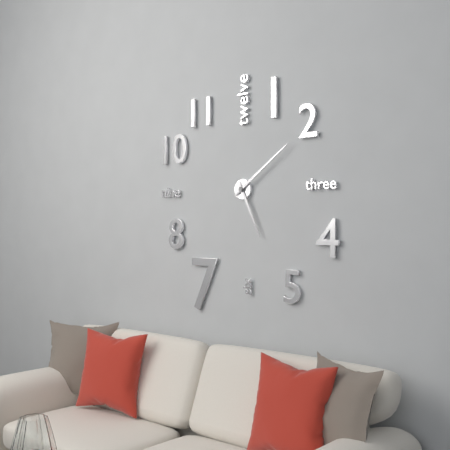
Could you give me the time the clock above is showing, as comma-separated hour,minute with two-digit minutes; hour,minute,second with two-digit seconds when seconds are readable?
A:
5,09
